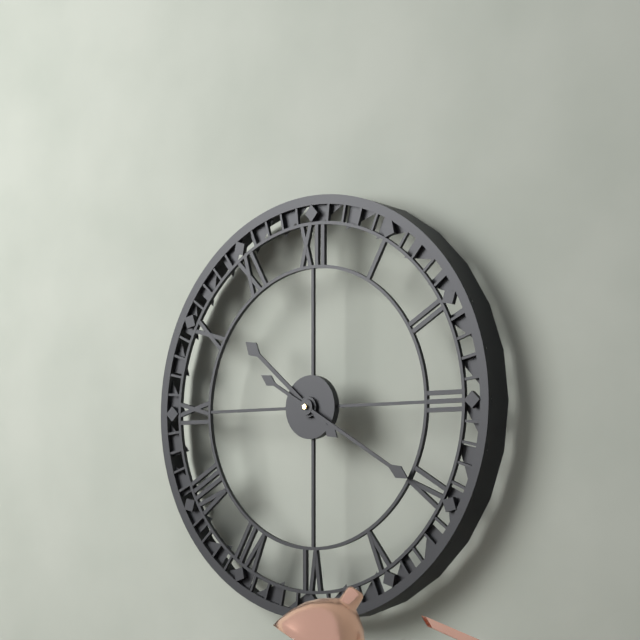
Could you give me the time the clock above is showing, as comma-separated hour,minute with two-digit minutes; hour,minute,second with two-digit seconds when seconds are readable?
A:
10,20
